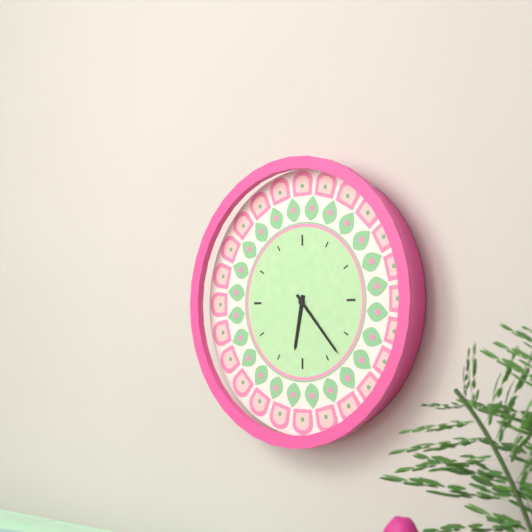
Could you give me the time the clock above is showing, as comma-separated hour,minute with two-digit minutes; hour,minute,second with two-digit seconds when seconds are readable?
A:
6,23
